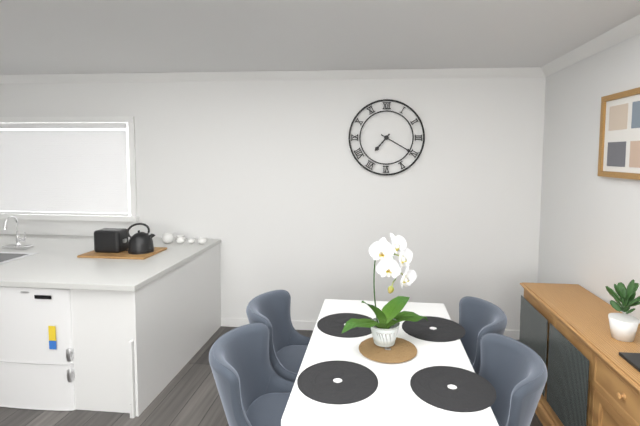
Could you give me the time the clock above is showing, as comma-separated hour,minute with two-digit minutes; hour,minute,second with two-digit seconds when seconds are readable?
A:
7,20
